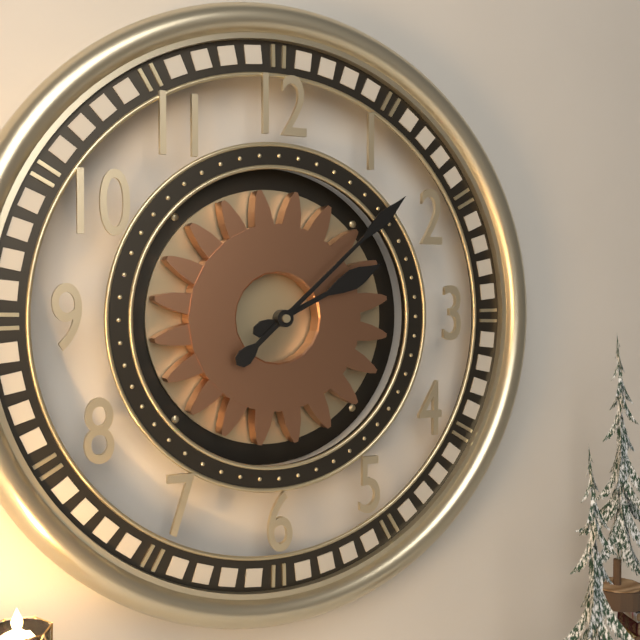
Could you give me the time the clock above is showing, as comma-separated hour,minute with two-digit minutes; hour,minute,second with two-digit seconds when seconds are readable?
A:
2,08
